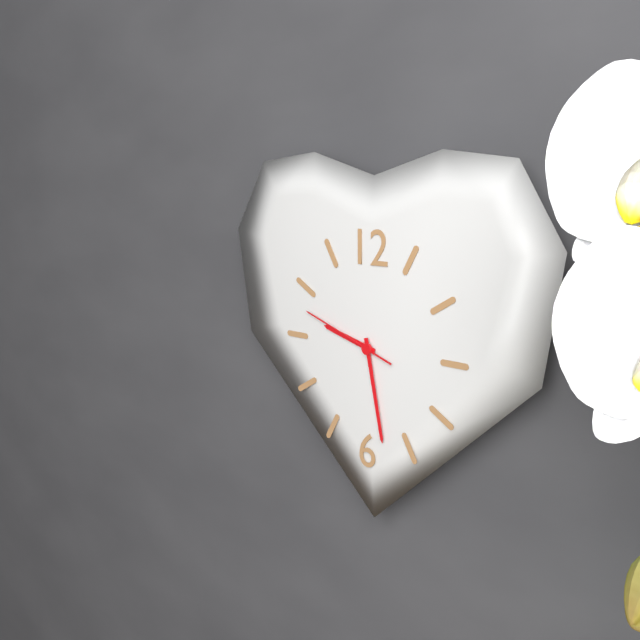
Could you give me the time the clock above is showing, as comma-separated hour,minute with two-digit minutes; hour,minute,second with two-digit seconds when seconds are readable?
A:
9,28,48
